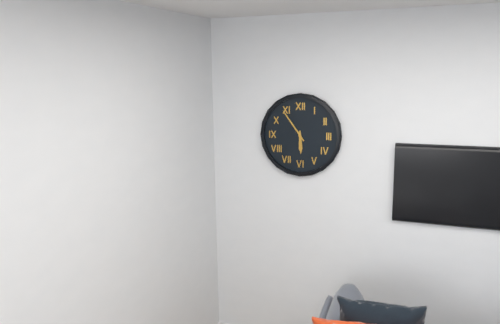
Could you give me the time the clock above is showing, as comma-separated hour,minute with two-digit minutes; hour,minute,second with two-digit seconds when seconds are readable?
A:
5,54
